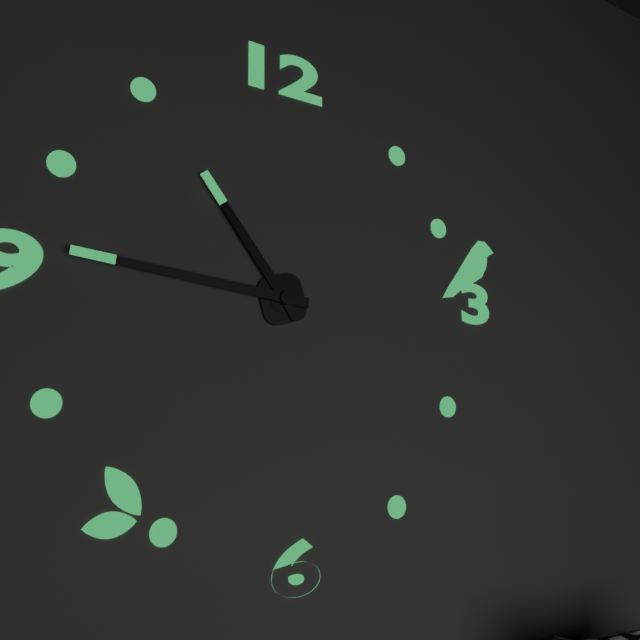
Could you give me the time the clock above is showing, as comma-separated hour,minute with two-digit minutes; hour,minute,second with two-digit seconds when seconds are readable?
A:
10,46
